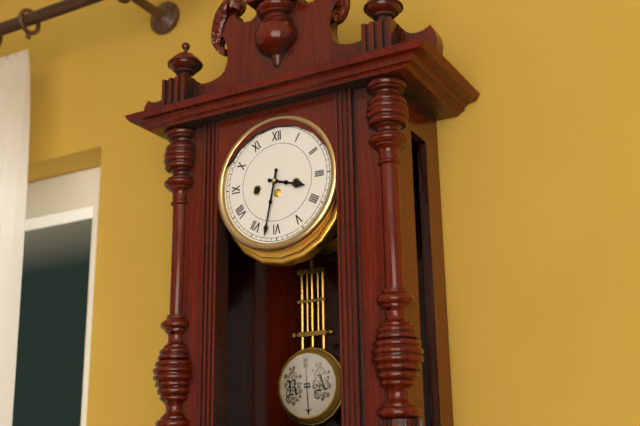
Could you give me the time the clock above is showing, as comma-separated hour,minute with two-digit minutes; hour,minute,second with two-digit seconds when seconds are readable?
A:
3,32
